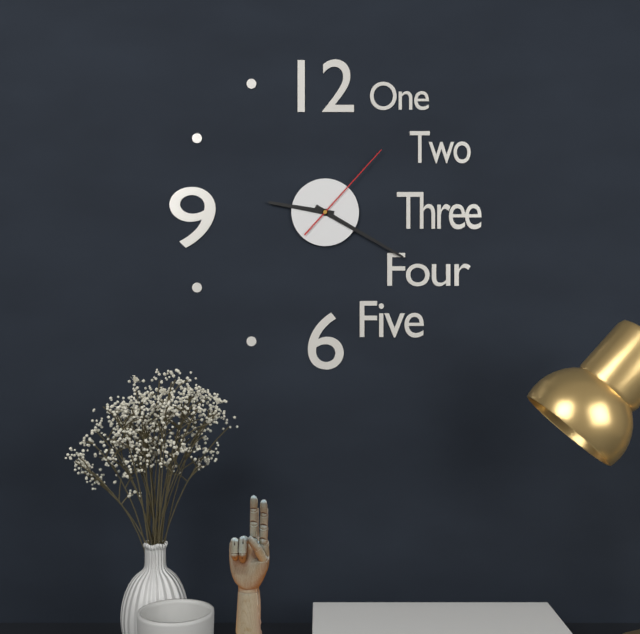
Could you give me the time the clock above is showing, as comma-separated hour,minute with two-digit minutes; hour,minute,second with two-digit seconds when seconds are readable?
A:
9,20,07
